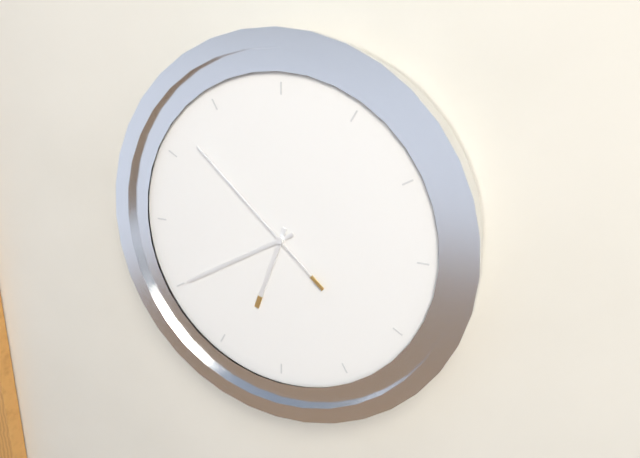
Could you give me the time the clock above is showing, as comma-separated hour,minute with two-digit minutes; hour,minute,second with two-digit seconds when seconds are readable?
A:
6,40,52
